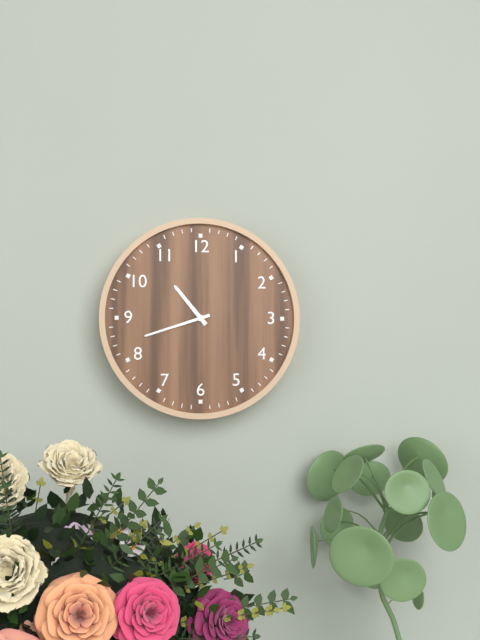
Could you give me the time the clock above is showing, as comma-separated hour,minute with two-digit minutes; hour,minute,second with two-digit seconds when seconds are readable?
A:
10,42
